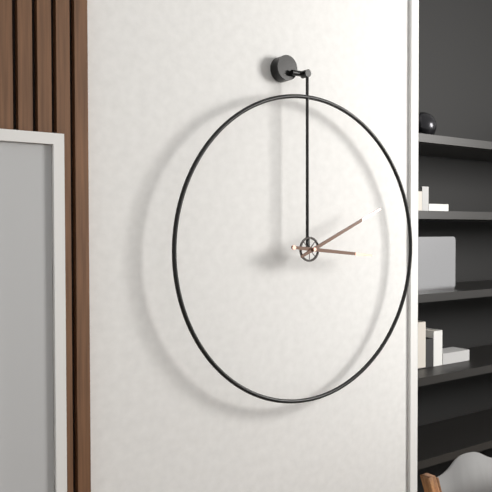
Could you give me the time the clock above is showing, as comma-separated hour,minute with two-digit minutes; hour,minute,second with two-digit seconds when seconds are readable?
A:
3,11
